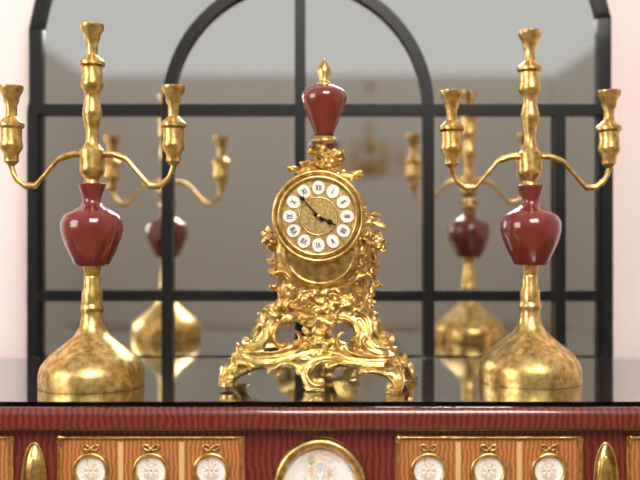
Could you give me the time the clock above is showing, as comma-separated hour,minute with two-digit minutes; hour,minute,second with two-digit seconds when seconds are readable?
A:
3,53
